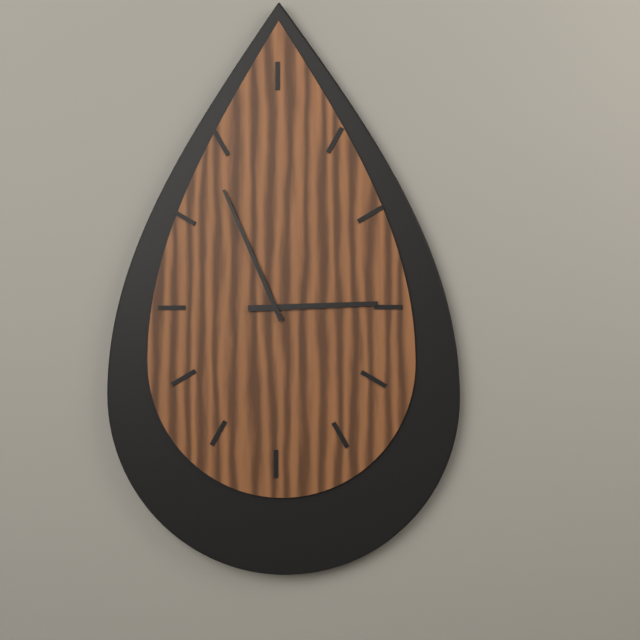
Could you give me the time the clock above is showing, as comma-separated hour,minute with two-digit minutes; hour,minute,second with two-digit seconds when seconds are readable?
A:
2,56
